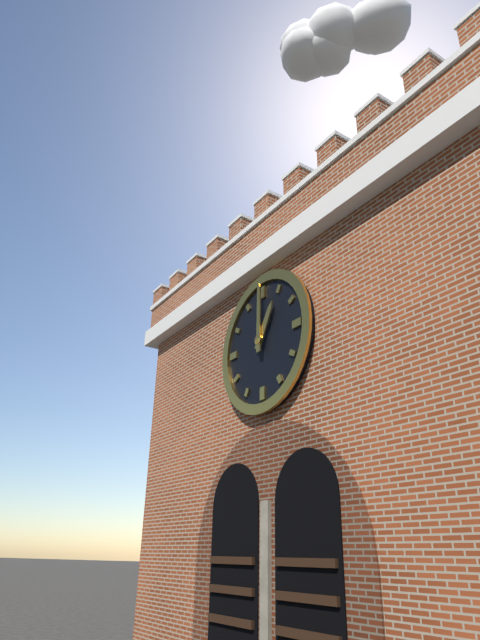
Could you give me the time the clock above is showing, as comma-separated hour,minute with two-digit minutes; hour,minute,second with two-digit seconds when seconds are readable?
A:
1,00
